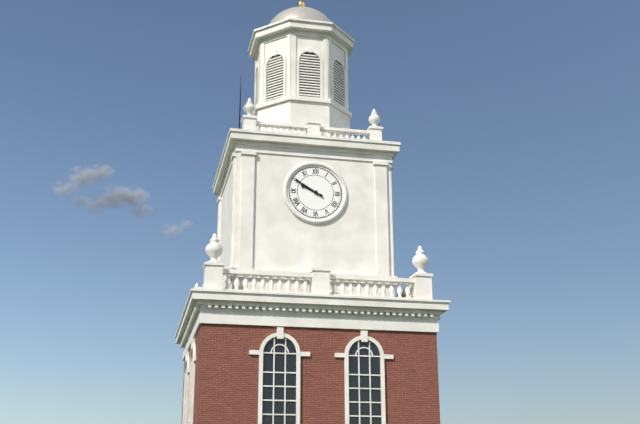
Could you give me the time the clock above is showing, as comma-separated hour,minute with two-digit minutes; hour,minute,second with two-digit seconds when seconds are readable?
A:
9,50
